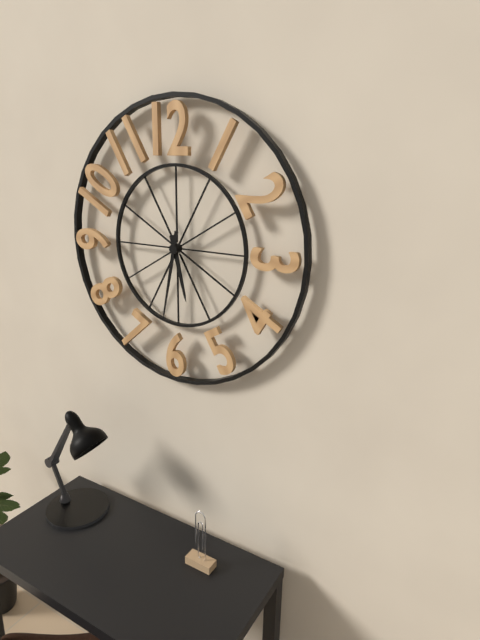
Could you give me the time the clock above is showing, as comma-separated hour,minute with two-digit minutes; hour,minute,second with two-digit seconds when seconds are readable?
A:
5,32
